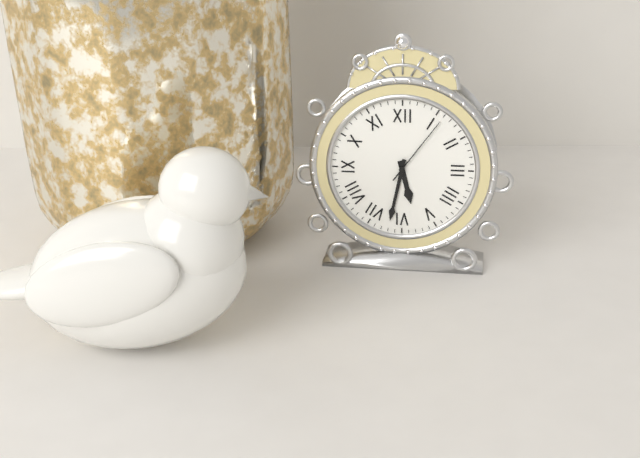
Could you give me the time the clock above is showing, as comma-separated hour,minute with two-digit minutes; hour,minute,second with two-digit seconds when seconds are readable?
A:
5,32,06
